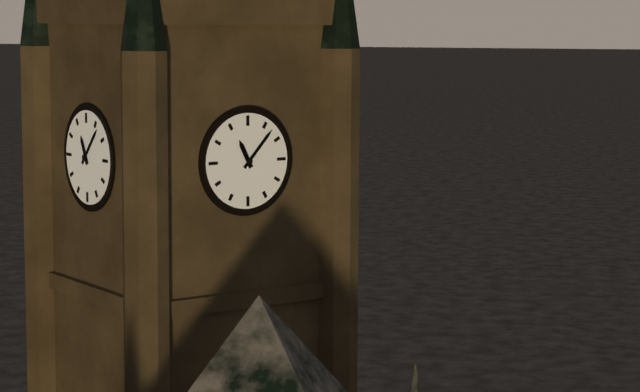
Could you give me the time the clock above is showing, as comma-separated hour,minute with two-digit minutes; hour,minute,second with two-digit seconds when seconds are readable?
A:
11,07
